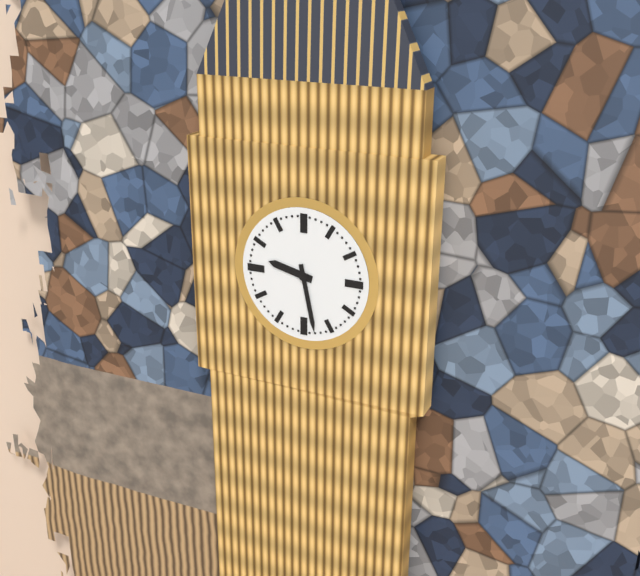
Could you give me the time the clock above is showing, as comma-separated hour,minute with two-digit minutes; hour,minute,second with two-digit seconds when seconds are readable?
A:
9,28
